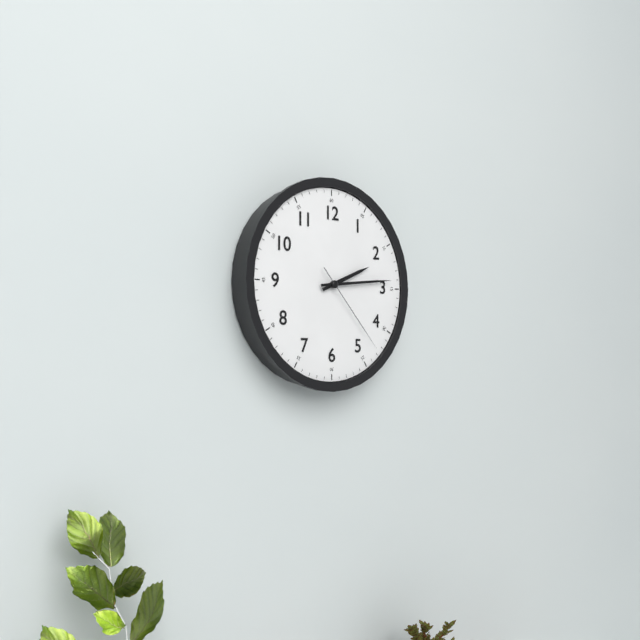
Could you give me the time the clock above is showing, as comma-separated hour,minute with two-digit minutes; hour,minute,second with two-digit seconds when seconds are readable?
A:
2,14,23
